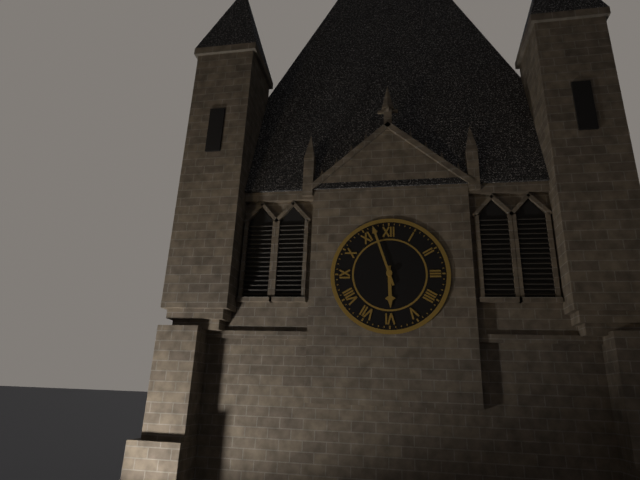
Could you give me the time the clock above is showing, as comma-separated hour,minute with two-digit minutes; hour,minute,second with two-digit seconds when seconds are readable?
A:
5,57
